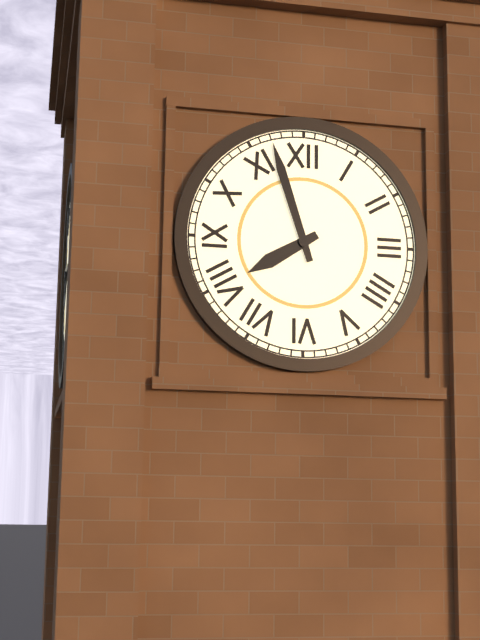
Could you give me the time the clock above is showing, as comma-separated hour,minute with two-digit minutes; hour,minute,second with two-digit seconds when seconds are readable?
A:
7,57
